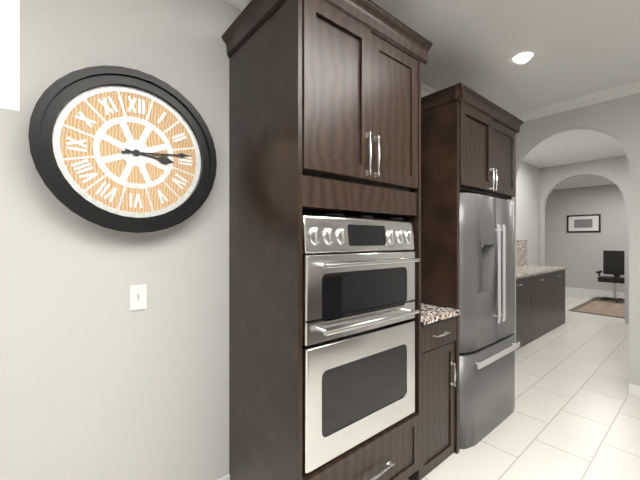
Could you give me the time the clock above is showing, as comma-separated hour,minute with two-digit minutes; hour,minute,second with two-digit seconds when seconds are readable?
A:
3,14
